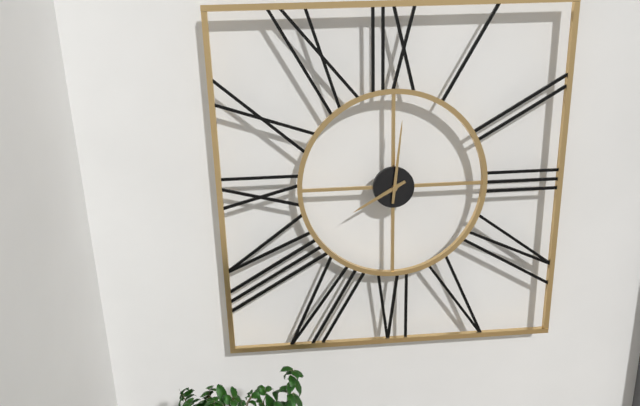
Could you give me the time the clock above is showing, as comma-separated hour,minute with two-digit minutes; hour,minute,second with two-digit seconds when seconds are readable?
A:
8,01
